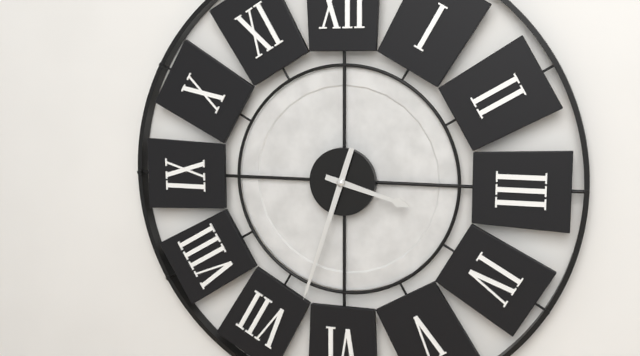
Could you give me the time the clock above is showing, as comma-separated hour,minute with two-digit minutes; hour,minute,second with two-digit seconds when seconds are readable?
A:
3,33
